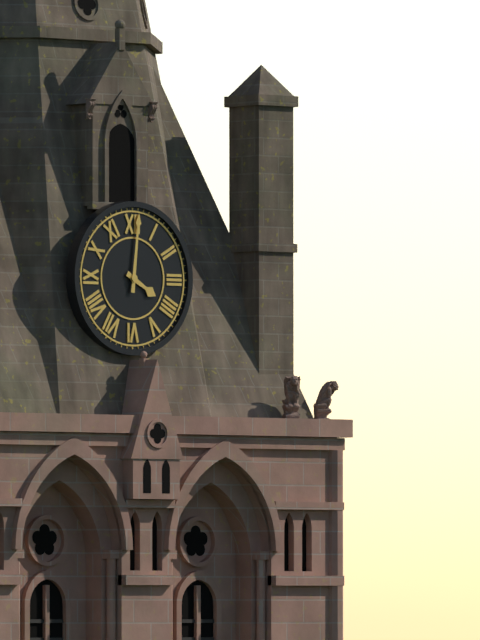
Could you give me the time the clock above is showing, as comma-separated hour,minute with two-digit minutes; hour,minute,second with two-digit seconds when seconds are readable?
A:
4,01
